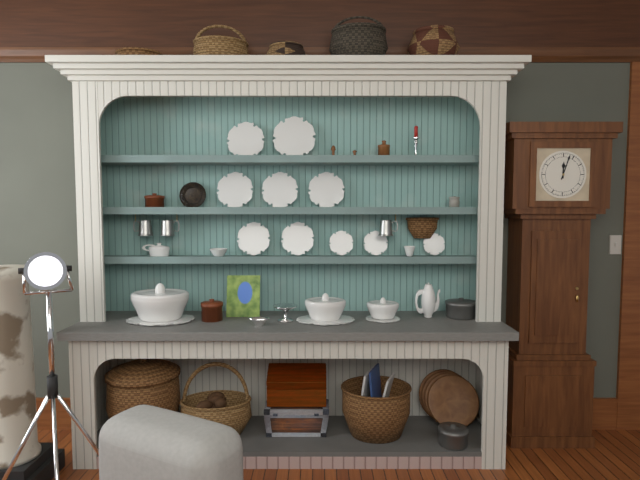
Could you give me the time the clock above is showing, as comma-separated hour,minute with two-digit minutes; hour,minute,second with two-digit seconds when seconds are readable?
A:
12,03
